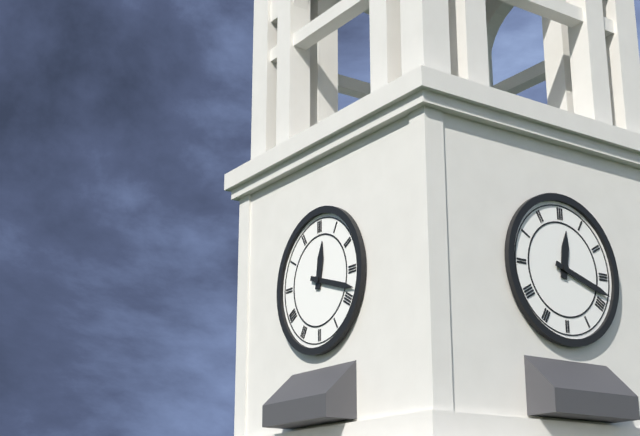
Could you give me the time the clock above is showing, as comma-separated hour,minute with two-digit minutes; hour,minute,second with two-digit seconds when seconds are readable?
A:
12,18
